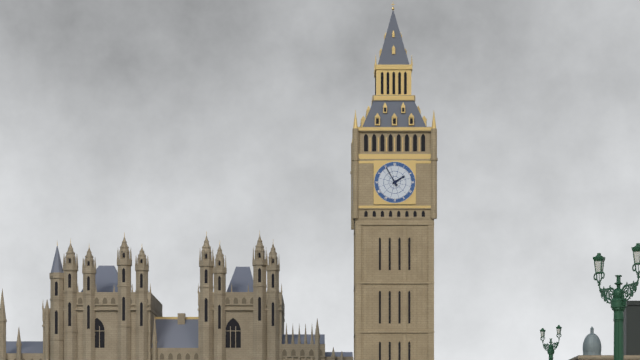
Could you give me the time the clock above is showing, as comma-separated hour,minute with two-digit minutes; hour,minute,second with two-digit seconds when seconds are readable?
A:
1,55
